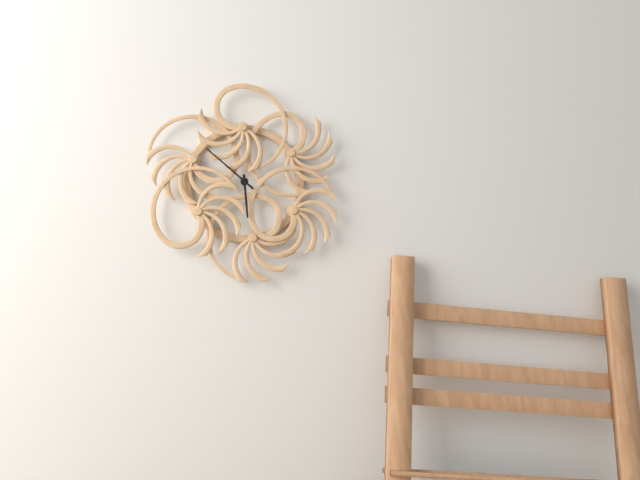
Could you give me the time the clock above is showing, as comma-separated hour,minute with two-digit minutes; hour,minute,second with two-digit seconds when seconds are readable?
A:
5,52
